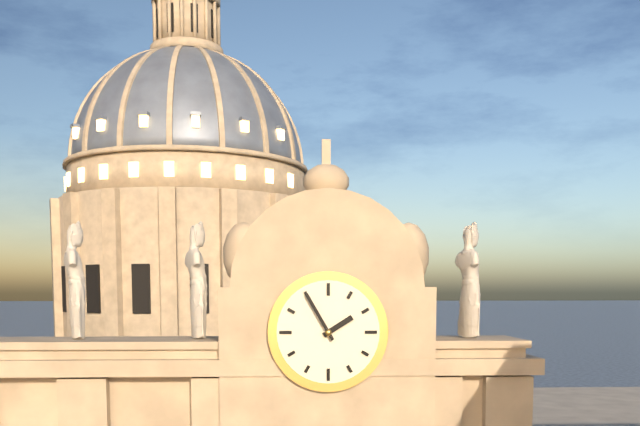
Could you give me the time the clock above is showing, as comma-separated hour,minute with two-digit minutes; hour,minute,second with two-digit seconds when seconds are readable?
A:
1,55
